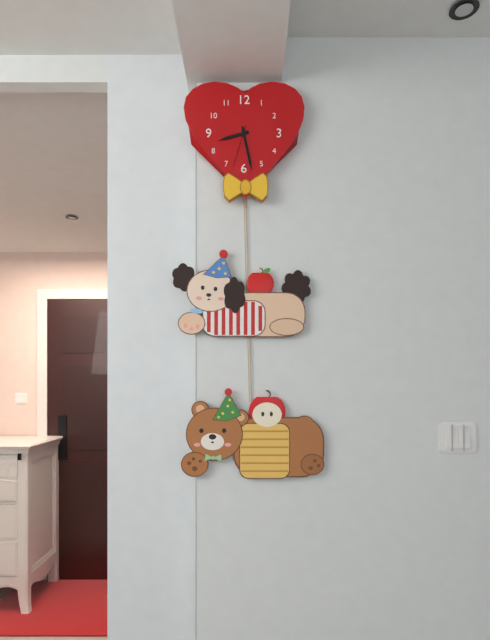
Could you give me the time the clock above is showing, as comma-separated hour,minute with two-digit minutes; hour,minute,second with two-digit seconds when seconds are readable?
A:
8,28
